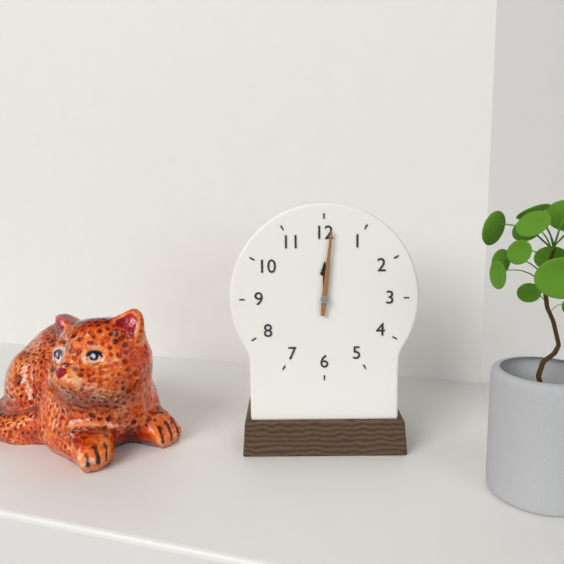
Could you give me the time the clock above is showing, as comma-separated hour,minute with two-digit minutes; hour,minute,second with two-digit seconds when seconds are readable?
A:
12,01
